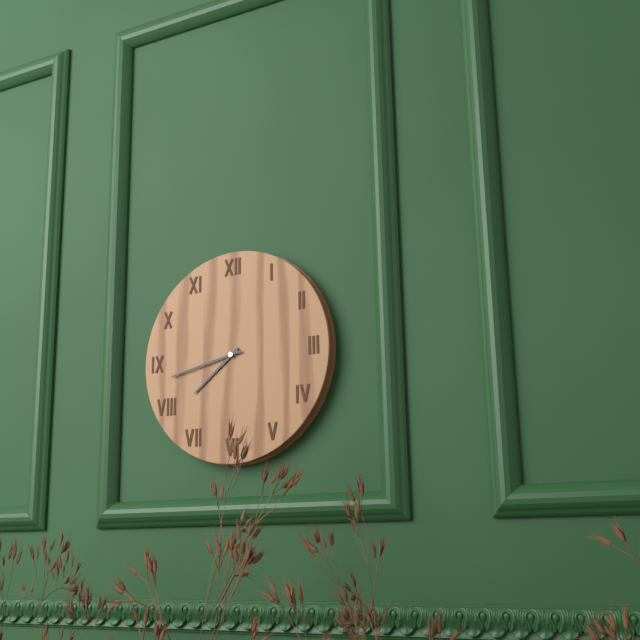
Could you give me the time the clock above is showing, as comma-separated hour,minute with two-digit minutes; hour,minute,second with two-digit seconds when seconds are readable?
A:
7,43
